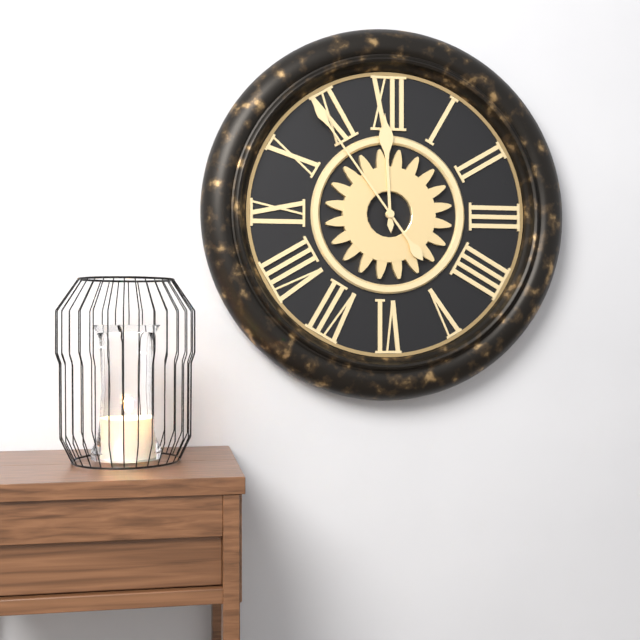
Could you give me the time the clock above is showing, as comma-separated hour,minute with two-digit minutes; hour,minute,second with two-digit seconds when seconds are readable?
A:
11,54
